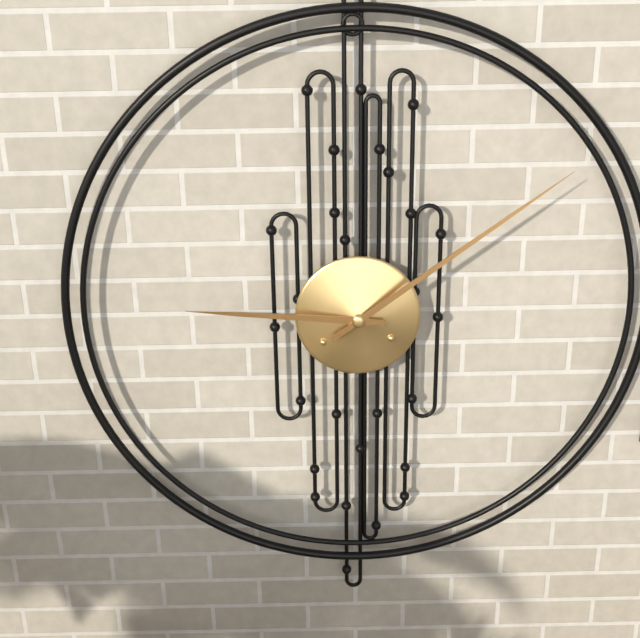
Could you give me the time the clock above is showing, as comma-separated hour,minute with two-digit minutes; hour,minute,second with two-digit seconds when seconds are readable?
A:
9,09
